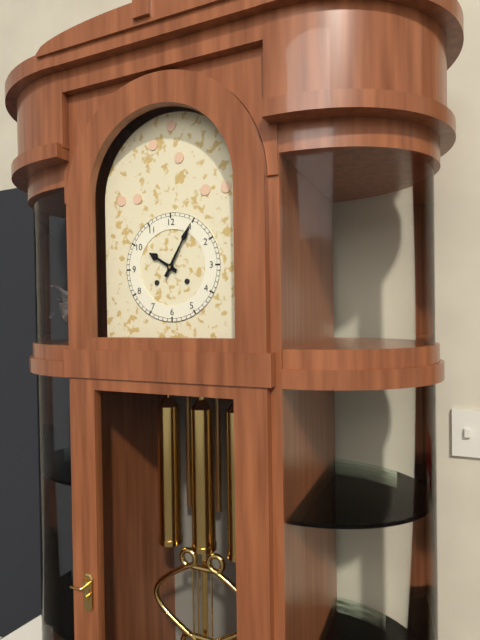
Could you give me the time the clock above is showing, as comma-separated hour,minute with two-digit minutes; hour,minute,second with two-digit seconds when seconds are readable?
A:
10,05
